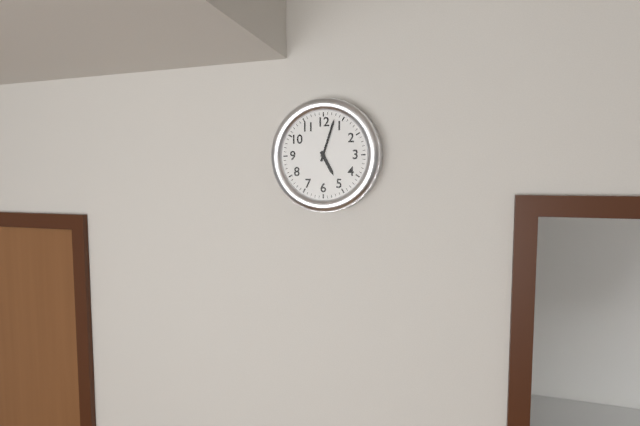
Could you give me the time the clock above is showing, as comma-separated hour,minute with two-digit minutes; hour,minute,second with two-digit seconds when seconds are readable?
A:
5,03
